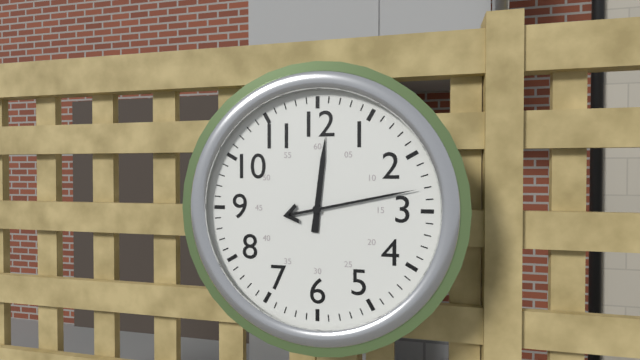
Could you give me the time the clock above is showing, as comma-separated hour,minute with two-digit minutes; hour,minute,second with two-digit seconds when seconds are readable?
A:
12,13
